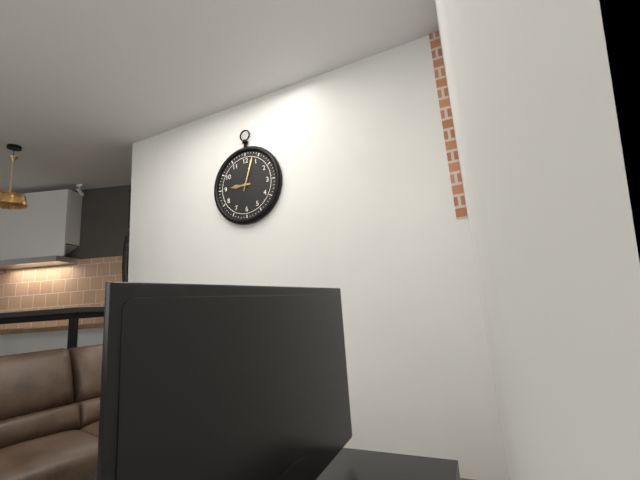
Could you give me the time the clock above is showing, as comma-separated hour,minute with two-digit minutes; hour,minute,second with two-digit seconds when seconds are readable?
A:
9,03
